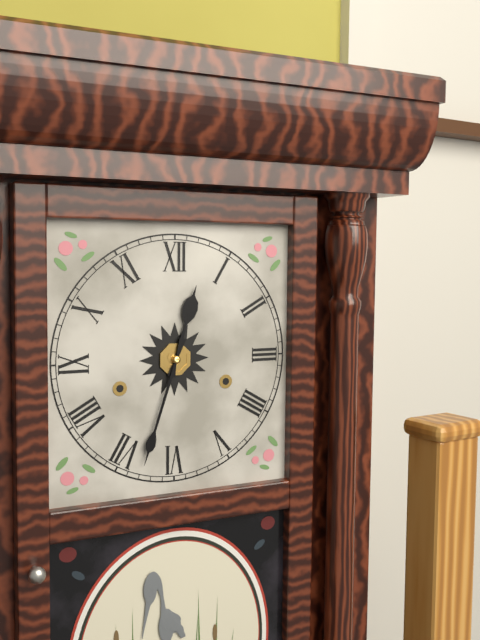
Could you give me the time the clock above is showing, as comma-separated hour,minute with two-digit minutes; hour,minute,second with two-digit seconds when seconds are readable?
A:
12,33
